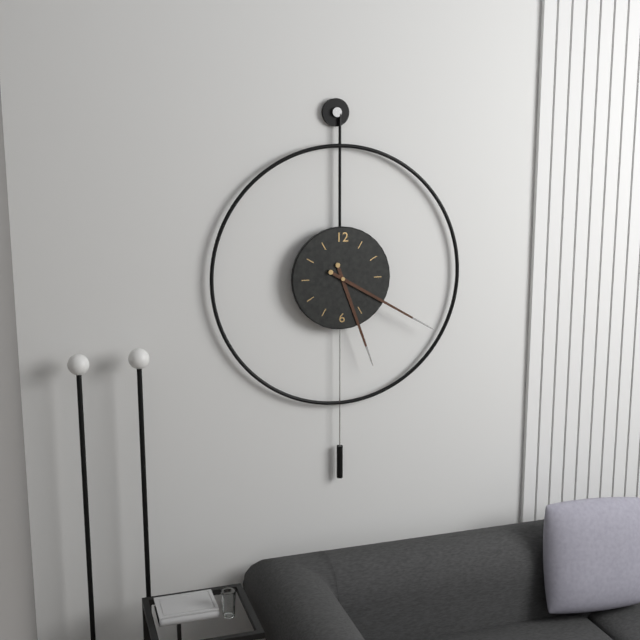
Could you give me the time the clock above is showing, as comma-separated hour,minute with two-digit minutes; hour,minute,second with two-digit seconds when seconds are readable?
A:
5,20
